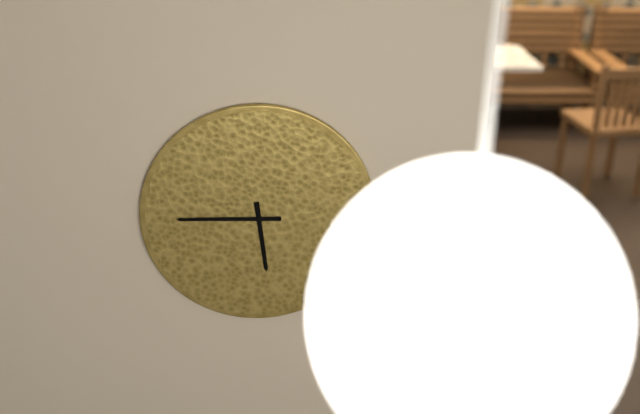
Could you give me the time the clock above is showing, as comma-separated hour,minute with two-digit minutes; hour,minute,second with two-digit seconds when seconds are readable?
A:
5,45
